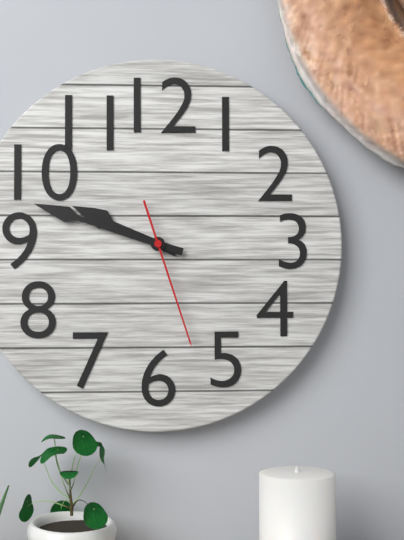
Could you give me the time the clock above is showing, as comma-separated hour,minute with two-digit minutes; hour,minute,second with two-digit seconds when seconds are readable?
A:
9,48,27
